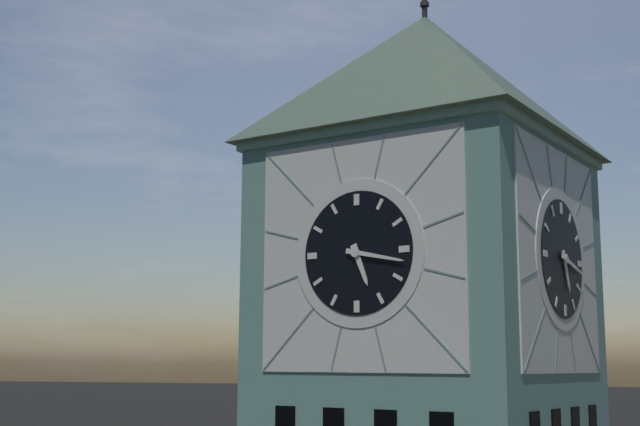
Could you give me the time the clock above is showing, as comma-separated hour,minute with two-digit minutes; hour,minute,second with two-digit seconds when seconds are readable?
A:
5,17
